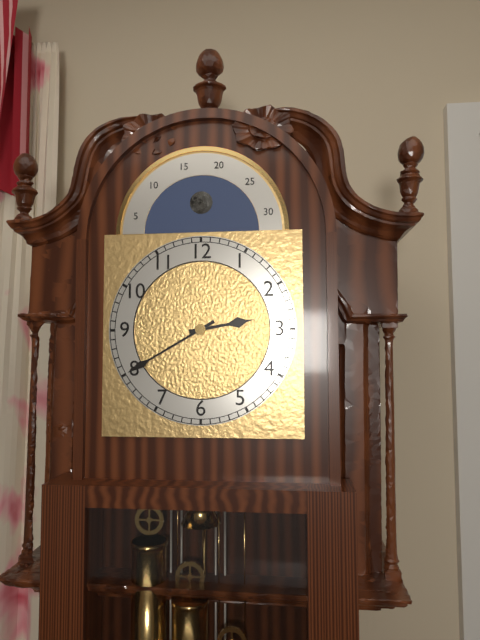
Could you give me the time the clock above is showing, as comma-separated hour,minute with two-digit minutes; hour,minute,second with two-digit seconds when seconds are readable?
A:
2,40
